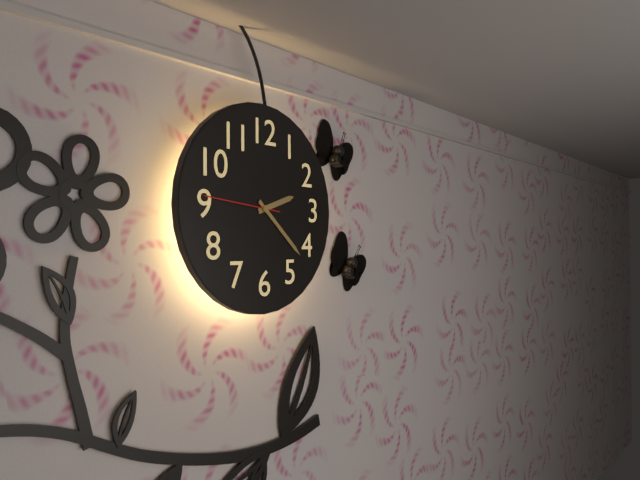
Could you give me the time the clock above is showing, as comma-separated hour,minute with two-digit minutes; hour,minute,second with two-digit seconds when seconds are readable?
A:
2,22,46
